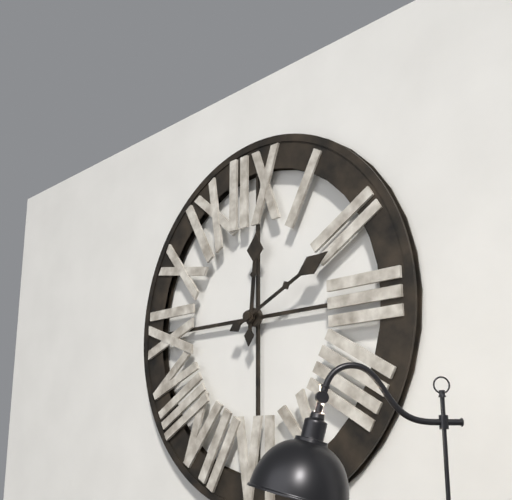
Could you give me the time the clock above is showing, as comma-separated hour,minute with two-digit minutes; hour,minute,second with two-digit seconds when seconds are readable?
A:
12,11
